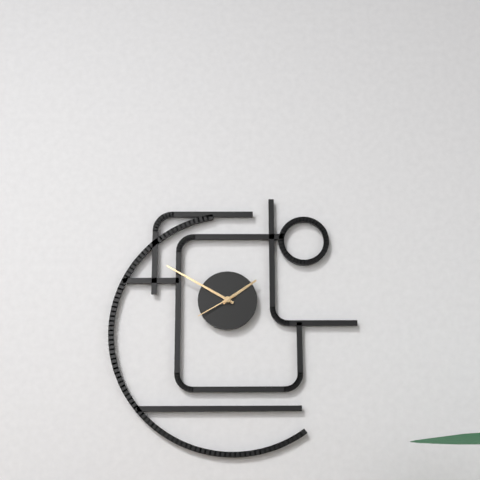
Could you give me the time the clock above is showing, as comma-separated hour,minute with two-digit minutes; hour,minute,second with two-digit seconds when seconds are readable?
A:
1,50
